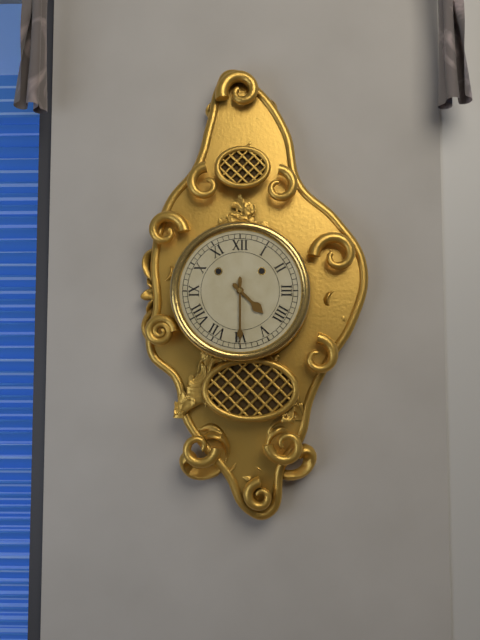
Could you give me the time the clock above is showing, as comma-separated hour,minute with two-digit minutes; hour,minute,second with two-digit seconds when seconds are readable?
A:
4,30
